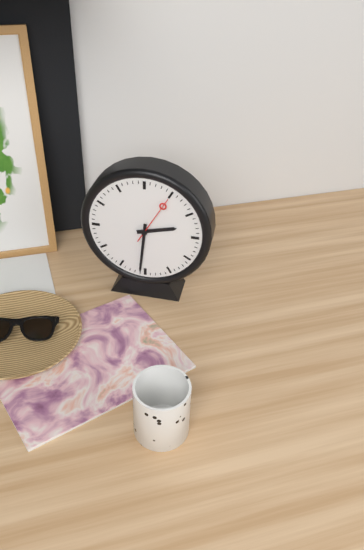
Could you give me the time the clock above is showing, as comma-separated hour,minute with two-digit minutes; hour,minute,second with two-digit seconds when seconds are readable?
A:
2,31
